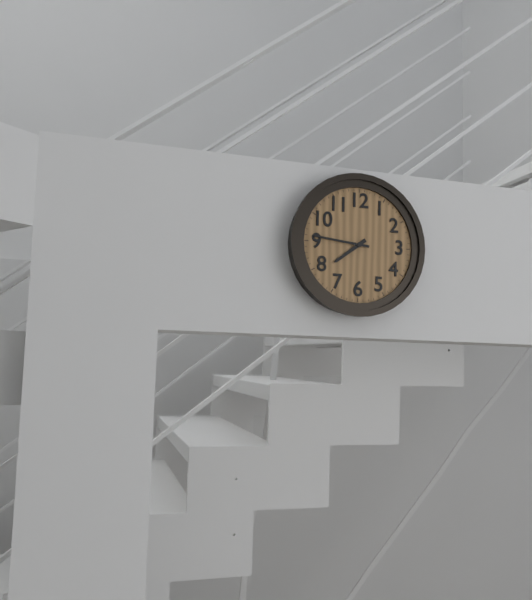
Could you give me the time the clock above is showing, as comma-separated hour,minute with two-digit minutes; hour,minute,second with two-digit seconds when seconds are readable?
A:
7,46
